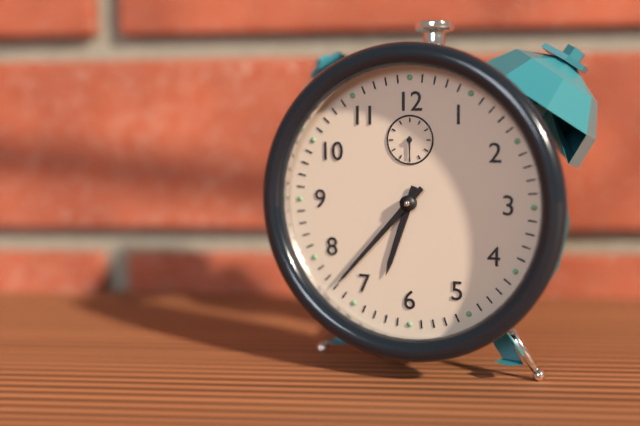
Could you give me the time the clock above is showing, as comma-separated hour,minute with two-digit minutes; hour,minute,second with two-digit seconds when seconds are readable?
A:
6,37
